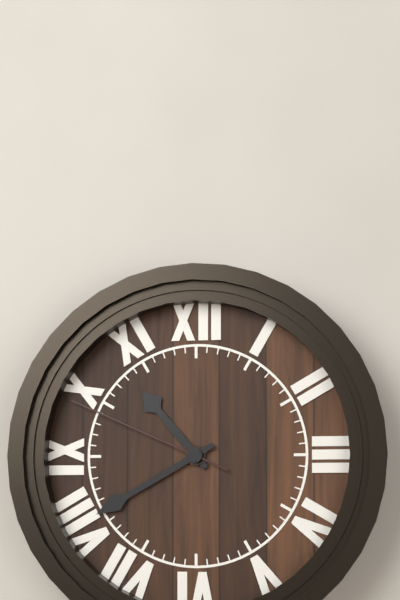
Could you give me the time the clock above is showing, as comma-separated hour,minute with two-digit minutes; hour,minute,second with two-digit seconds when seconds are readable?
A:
10,40,49
